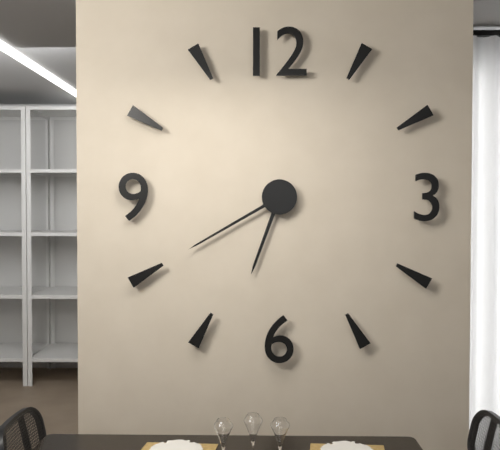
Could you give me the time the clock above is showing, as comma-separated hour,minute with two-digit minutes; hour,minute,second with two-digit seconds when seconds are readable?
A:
6,40
